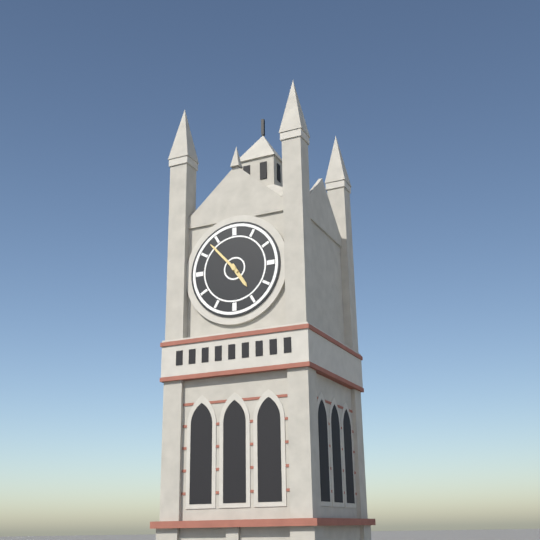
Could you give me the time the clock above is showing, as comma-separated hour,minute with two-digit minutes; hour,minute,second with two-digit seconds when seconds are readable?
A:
4,53
